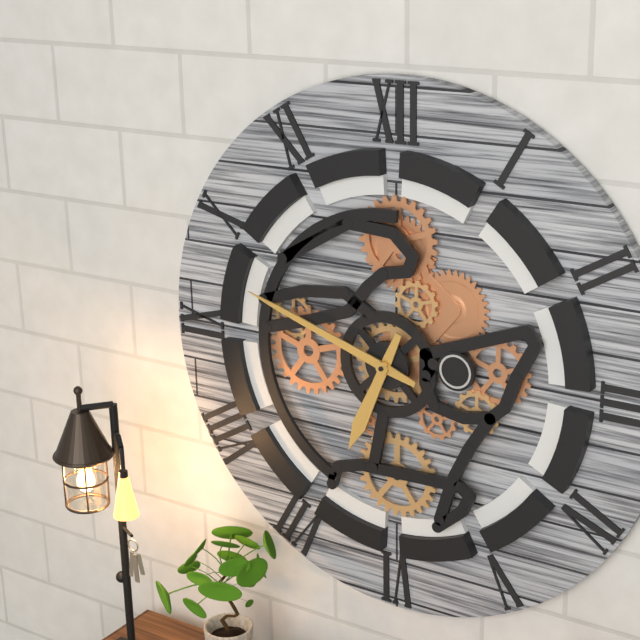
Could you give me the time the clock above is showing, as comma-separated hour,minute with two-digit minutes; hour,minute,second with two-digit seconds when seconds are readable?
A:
6,48
